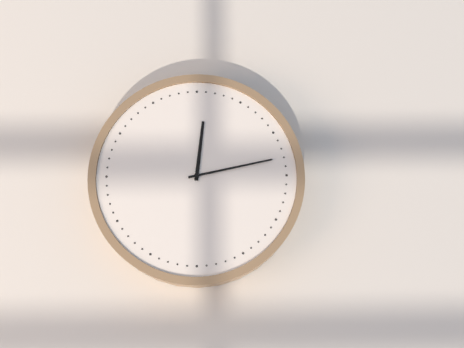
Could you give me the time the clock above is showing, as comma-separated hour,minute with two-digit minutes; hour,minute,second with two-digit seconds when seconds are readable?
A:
12,13
